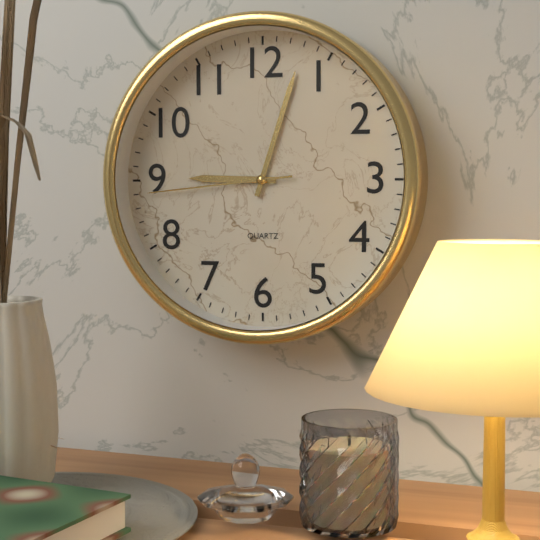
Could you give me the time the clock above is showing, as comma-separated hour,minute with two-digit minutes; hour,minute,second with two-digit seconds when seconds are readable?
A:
9,03,44
